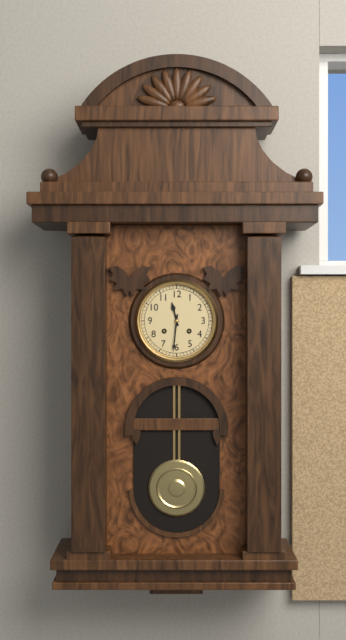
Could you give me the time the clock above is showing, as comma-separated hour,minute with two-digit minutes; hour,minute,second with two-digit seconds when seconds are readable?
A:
11,31
